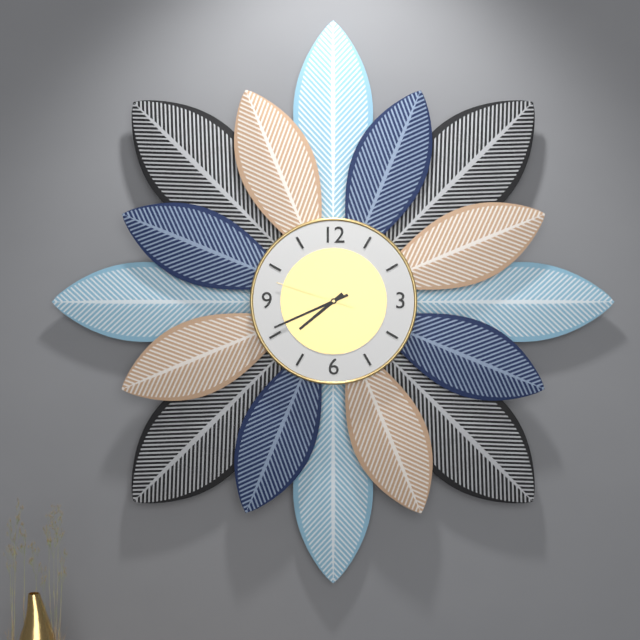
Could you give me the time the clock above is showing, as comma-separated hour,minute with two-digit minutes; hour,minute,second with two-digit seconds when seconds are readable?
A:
7,41,48
